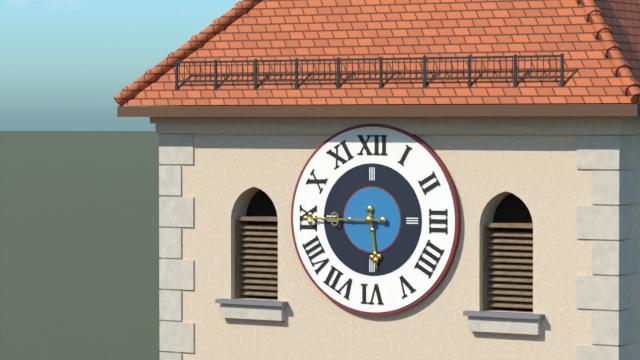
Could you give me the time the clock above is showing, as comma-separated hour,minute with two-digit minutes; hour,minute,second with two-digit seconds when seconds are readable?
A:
5,45
